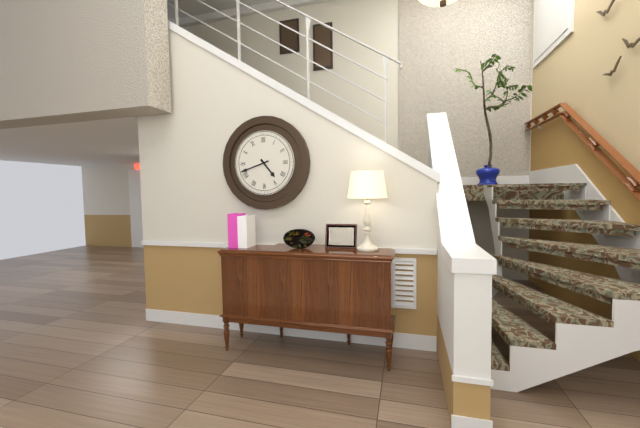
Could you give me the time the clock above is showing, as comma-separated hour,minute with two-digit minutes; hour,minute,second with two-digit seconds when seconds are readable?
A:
4,42
